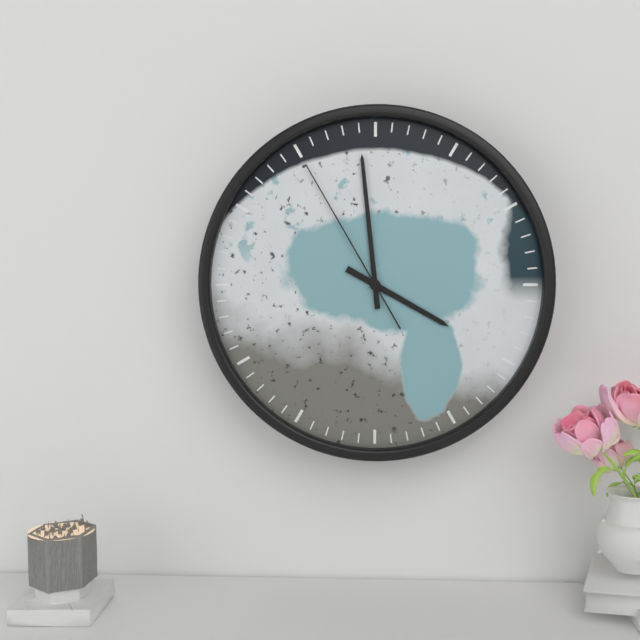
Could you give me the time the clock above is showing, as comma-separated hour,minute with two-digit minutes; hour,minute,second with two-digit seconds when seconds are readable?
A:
3,59,55
